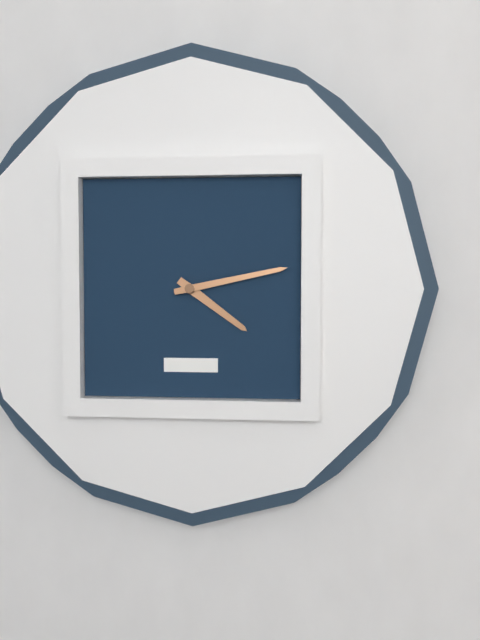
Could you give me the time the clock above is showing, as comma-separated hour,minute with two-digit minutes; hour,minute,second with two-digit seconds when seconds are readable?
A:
4,13
